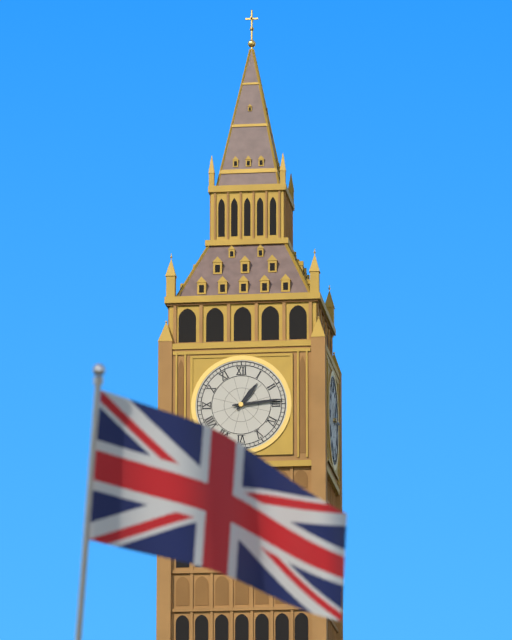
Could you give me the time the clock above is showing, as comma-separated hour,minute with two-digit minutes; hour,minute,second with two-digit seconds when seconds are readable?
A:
1,14
